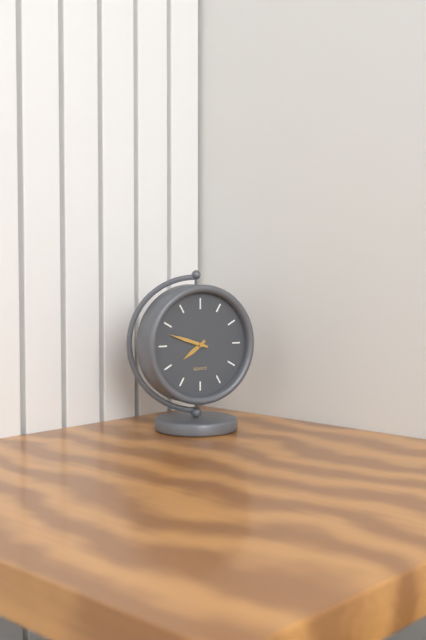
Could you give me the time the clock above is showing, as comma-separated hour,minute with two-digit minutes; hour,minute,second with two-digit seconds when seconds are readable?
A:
7,48
